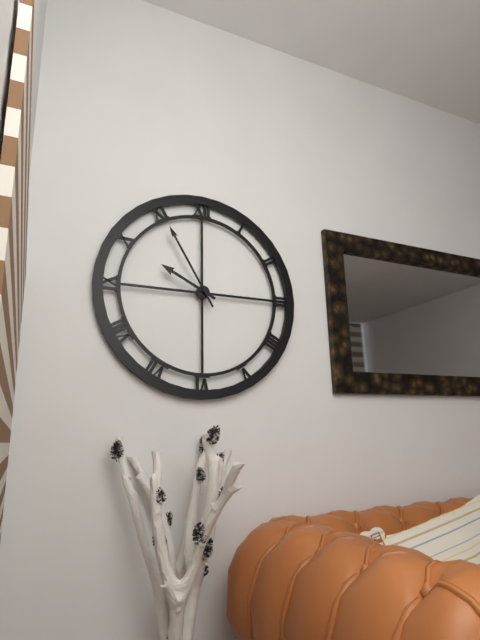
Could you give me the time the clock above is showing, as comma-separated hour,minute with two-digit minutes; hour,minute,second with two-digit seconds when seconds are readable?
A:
9,55
